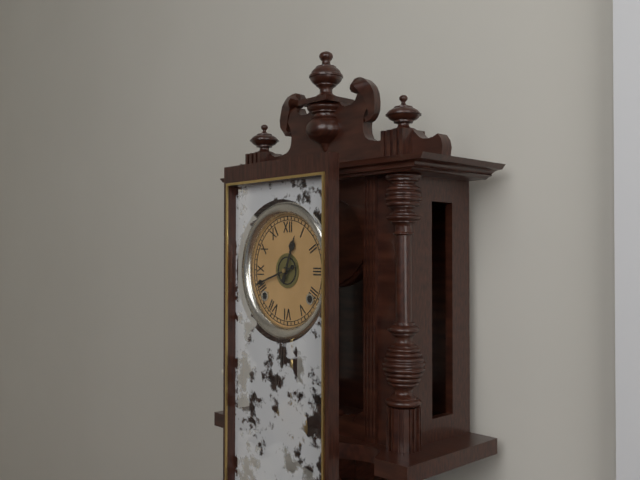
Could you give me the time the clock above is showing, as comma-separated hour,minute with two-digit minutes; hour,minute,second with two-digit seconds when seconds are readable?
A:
12,42
